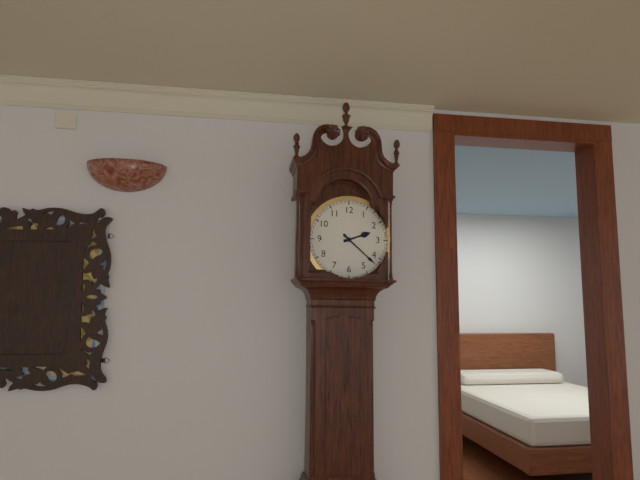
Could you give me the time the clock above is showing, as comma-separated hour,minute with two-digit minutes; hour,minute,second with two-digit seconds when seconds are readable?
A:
2,22
